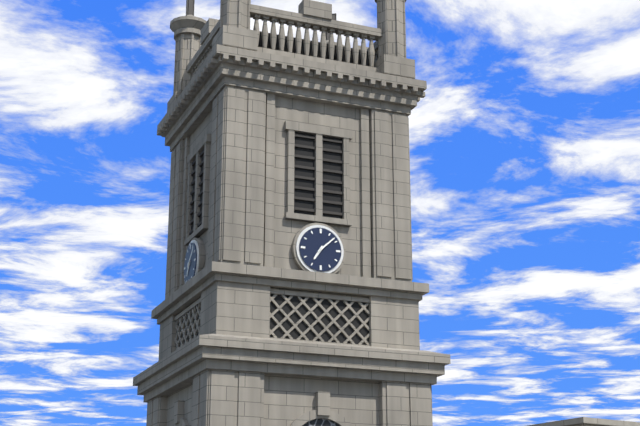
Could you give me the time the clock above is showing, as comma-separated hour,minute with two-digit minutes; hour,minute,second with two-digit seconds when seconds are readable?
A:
7,08
